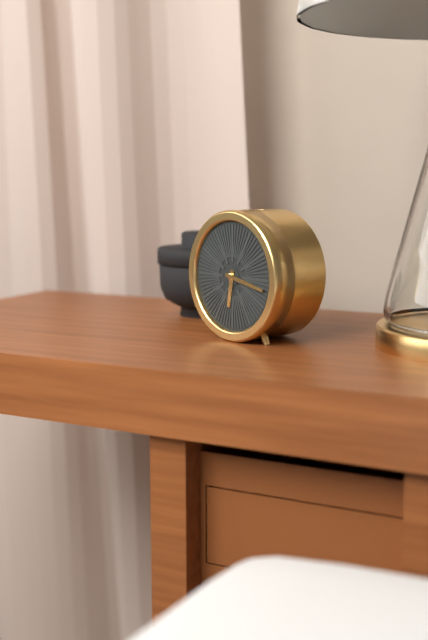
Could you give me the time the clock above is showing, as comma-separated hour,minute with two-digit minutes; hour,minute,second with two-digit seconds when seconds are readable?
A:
6,17
